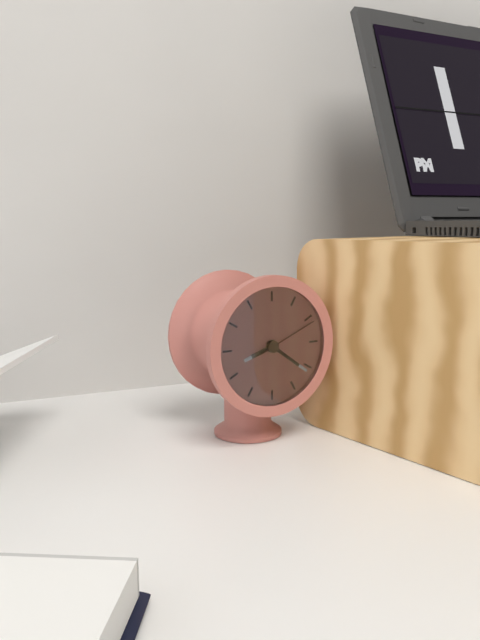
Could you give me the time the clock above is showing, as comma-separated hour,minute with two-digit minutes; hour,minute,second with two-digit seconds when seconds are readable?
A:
8,21,11
